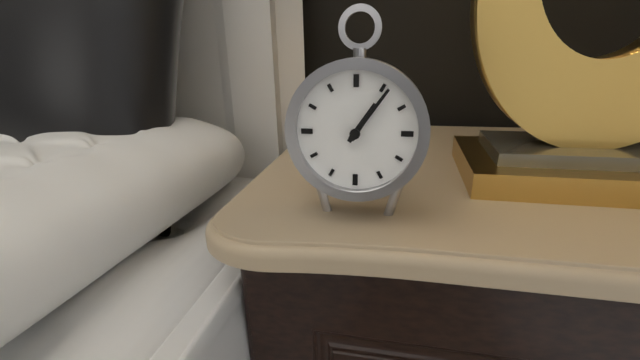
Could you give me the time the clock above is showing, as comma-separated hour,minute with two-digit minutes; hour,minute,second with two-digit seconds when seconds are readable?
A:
1,06
